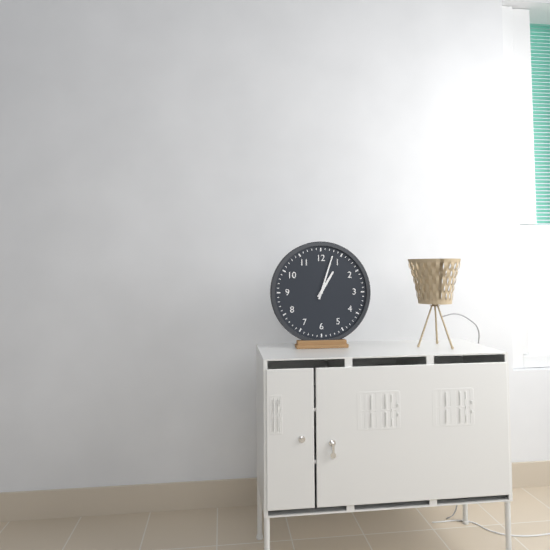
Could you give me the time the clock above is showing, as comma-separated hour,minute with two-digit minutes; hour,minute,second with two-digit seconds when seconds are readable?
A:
1,03
